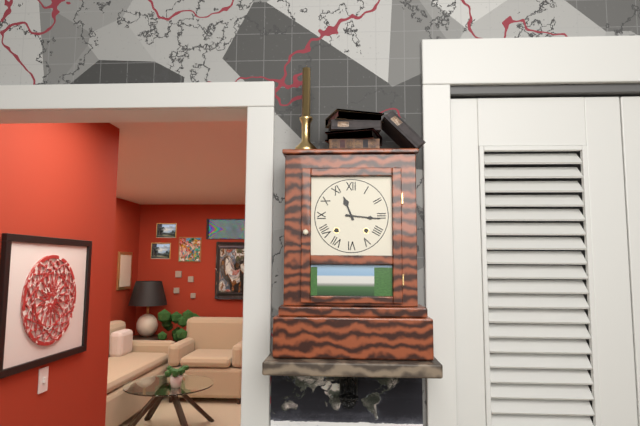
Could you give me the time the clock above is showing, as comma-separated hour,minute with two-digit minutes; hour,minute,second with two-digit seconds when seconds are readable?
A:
11,16
